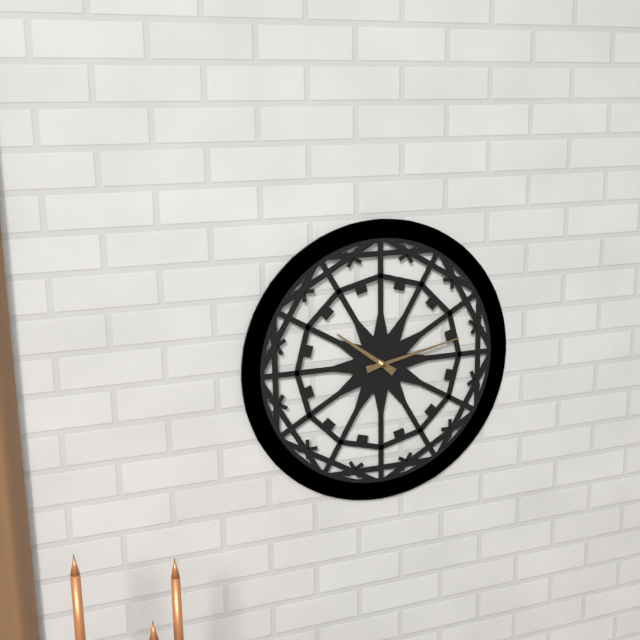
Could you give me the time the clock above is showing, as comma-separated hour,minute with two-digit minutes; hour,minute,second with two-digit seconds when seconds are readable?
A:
10,13
